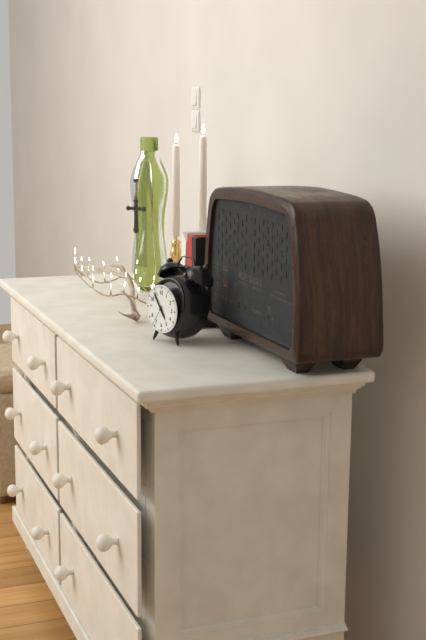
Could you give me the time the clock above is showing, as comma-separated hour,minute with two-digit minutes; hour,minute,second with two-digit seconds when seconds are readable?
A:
4,54
